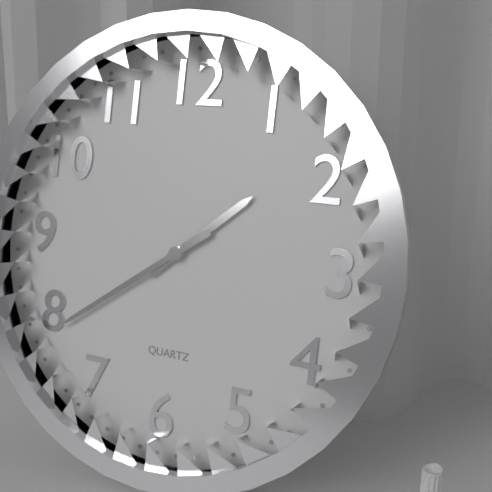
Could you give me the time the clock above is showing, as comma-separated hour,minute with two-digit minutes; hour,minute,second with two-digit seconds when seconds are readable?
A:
1,39
